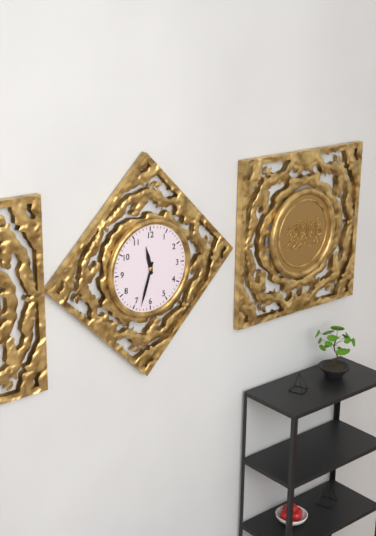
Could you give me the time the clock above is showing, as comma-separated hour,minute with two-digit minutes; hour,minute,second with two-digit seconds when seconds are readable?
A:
11,33
